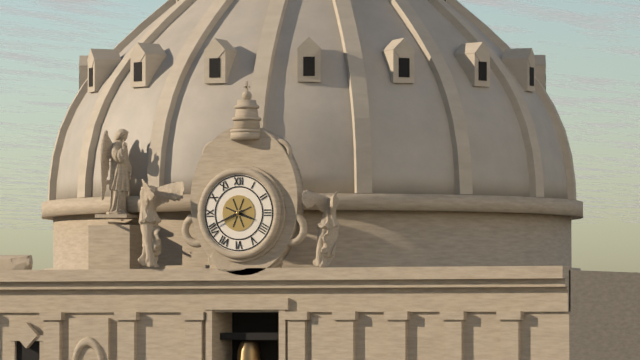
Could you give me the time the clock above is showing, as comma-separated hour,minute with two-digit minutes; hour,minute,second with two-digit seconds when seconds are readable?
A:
3,41
